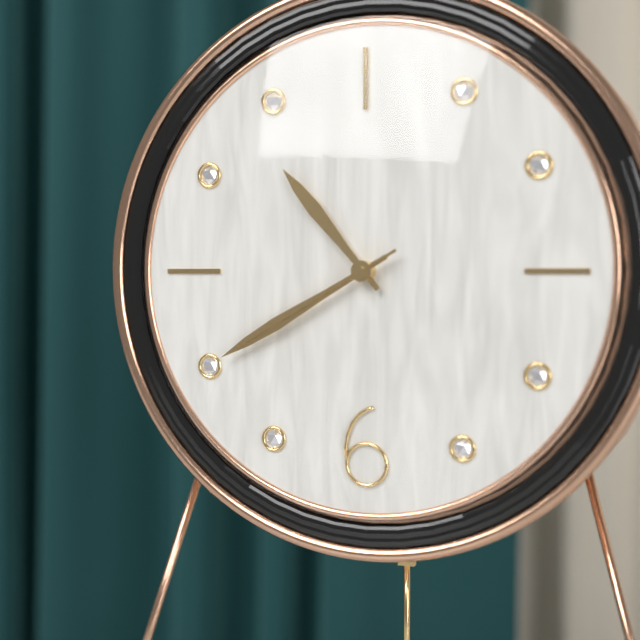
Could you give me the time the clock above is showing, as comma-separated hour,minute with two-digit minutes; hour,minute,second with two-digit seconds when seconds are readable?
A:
10,40,40
